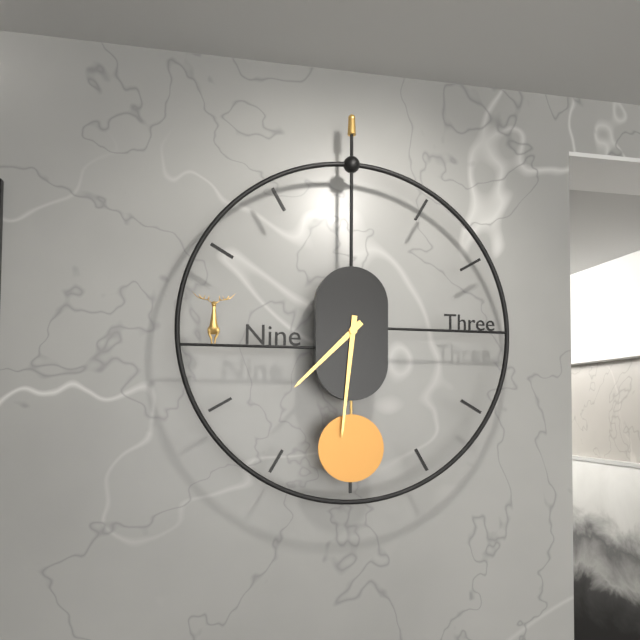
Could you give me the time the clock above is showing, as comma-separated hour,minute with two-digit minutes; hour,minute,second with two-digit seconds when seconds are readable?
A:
7,31
